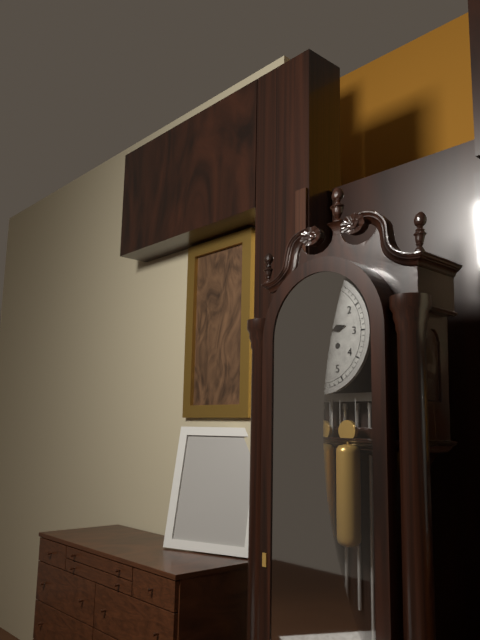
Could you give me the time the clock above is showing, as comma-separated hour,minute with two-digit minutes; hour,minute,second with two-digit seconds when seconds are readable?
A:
2,37
